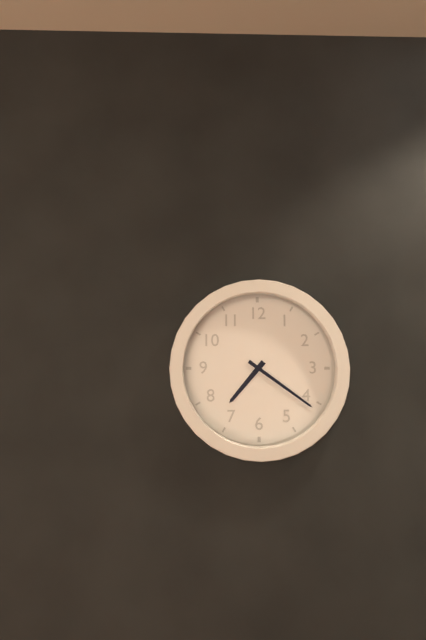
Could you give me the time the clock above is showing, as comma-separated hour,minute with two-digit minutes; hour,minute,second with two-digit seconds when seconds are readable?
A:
7,21
